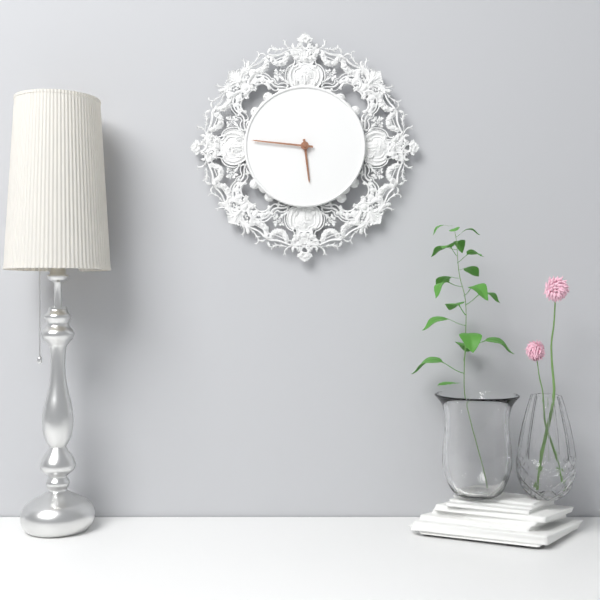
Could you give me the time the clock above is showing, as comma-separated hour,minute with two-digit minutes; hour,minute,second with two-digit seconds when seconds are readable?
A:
5,46
